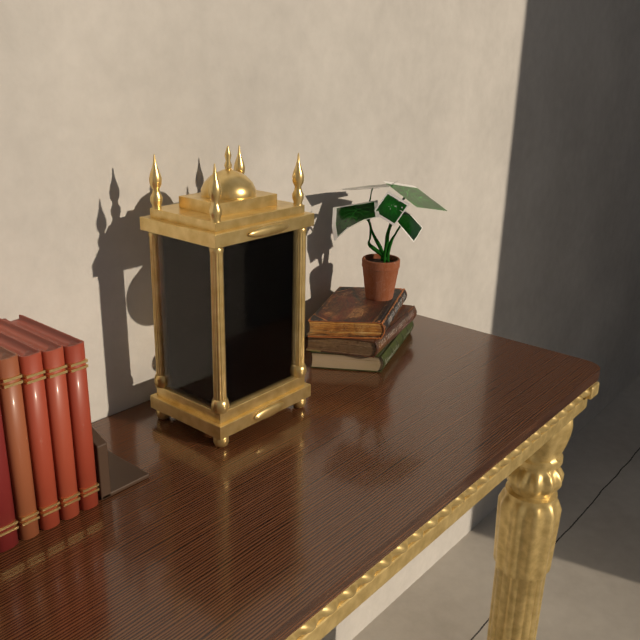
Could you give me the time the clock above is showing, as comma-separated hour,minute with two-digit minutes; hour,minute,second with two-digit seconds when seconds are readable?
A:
10,36
